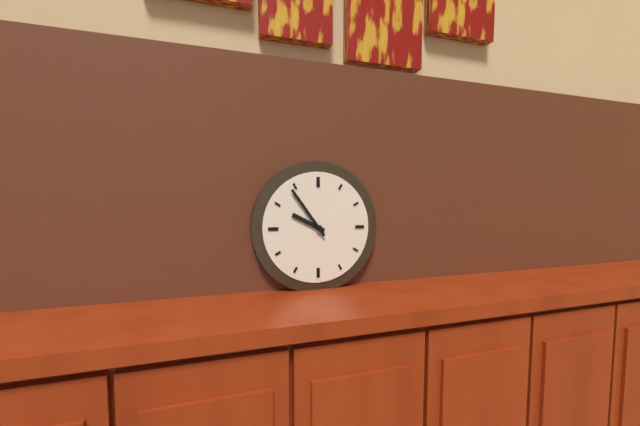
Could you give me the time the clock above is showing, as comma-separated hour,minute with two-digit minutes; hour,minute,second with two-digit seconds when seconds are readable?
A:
9,54
